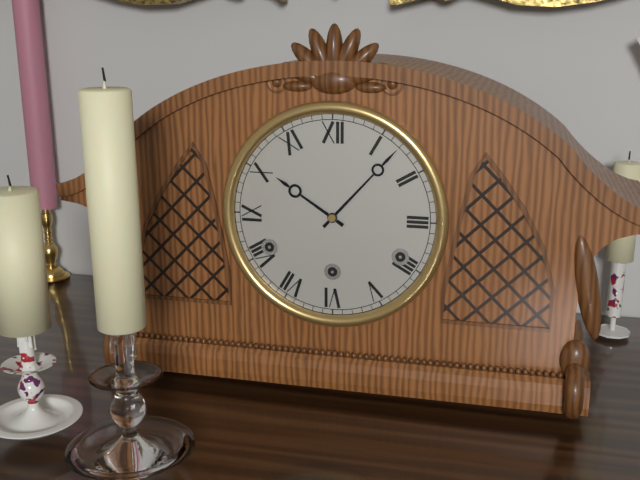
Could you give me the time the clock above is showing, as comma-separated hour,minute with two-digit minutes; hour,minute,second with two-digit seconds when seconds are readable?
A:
10,07
